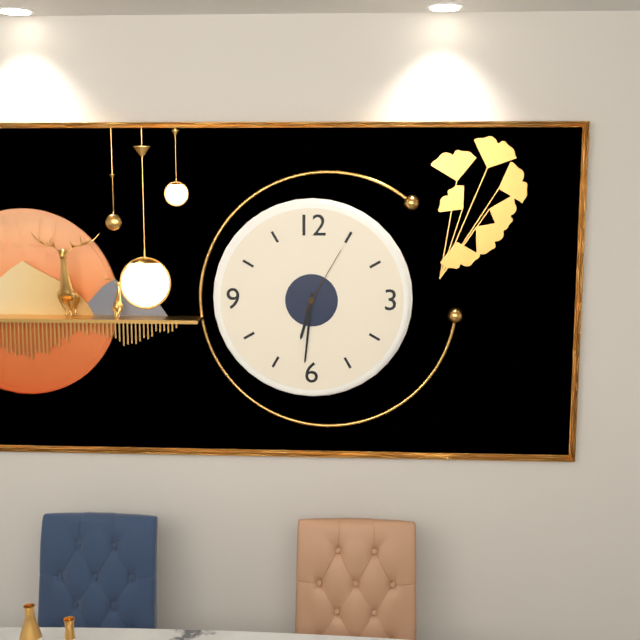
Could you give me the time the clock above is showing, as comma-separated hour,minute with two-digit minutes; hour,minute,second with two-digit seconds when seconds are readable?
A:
6,31,05
